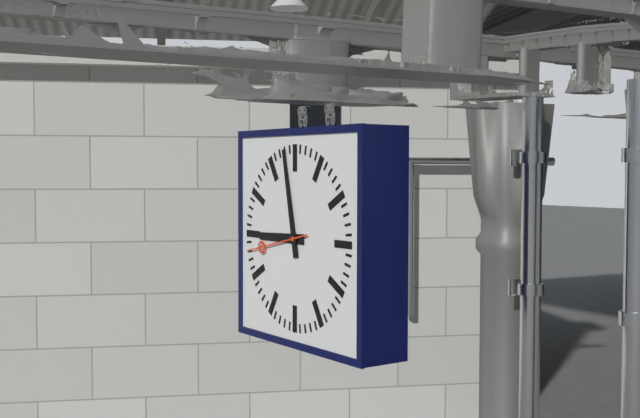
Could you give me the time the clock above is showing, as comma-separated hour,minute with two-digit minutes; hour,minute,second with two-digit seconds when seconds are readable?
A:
8,58,43
